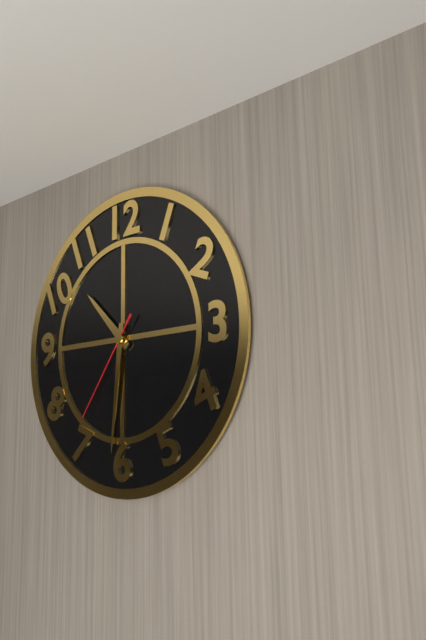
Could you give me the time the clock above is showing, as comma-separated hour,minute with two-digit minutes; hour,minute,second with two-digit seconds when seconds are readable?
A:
10,31,36
